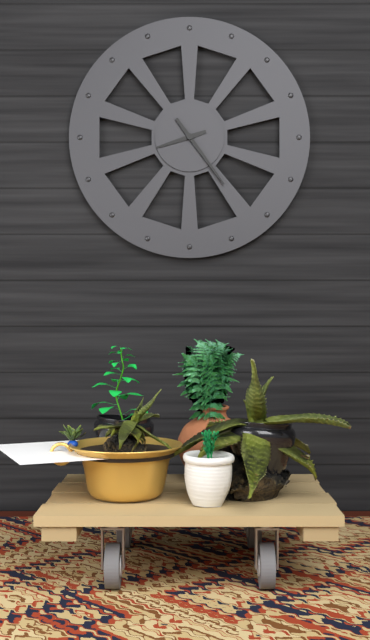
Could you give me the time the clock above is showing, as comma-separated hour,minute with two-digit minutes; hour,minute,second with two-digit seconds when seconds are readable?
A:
8,24
